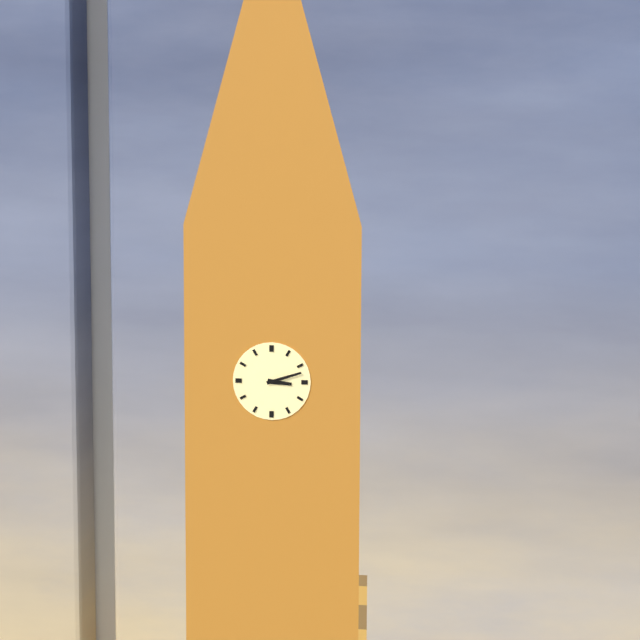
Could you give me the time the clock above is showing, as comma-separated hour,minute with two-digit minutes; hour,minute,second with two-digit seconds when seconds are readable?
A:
3,12
